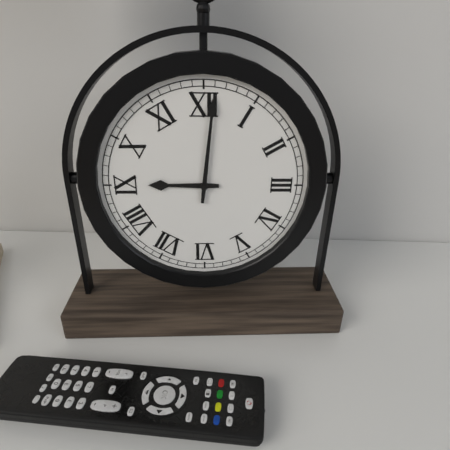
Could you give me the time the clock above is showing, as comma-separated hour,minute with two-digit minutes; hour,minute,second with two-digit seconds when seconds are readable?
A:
9,01
